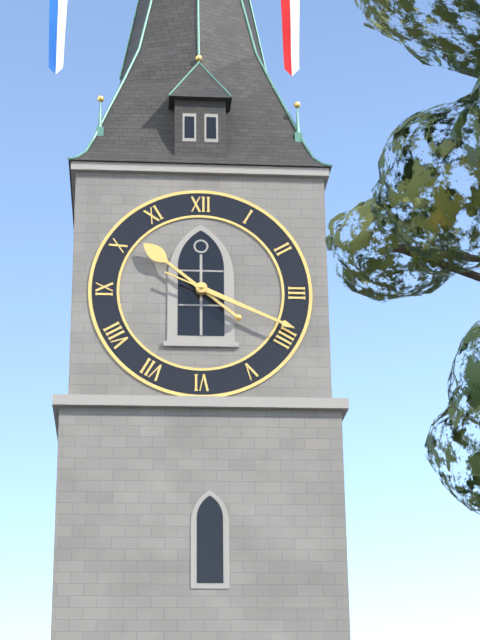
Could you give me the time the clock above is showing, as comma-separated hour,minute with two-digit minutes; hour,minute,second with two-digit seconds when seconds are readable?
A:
10,19
